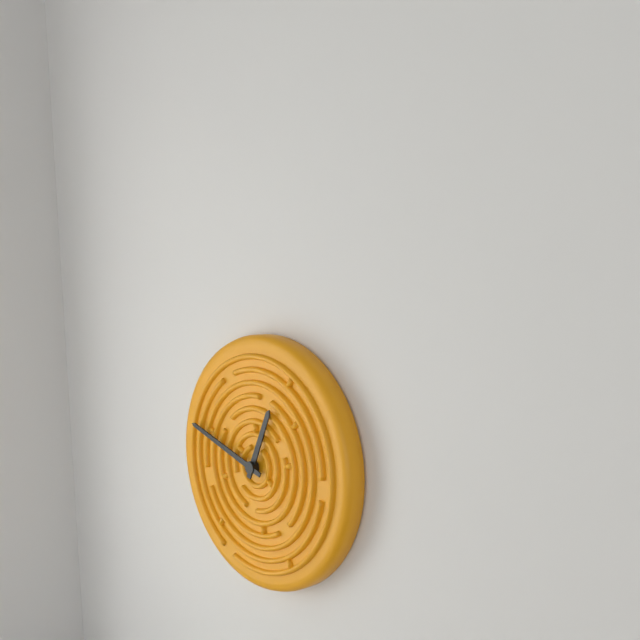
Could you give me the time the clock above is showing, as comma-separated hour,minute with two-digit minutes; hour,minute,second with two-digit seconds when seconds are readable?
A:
12,48
